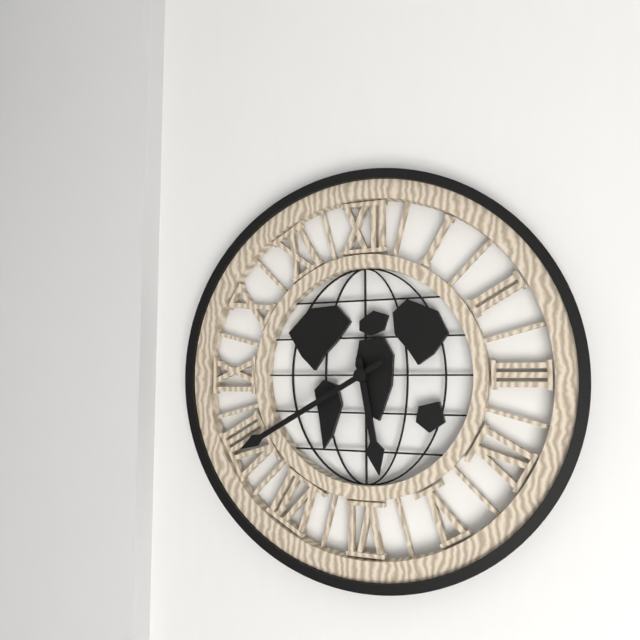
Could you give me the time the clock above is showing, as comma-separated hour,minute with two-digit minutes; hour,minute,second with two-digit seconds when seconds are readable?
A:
5,40
